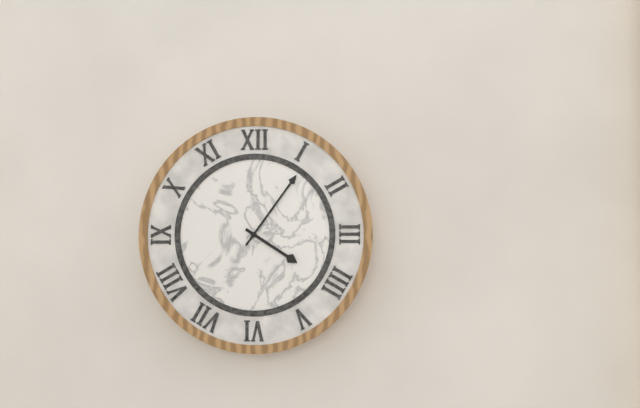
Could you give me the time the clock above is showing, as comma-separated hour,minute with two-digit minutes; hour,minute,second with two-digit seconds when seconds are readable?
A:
4,06
